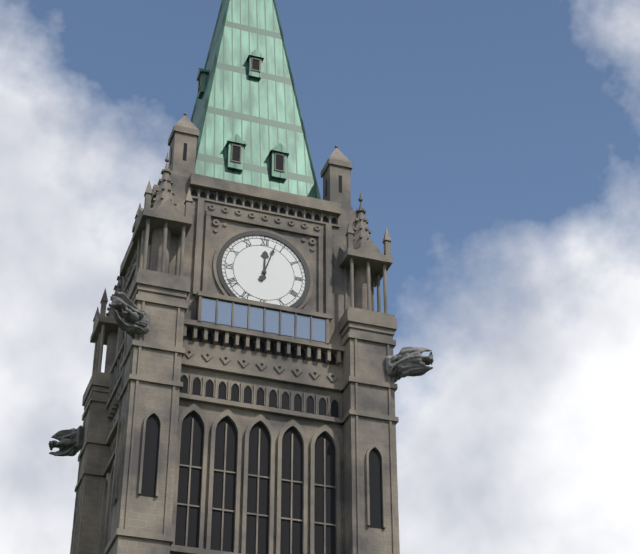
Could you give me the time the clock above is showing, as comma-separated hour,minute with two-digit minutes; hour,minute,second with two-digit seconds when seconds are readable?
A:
12,03
